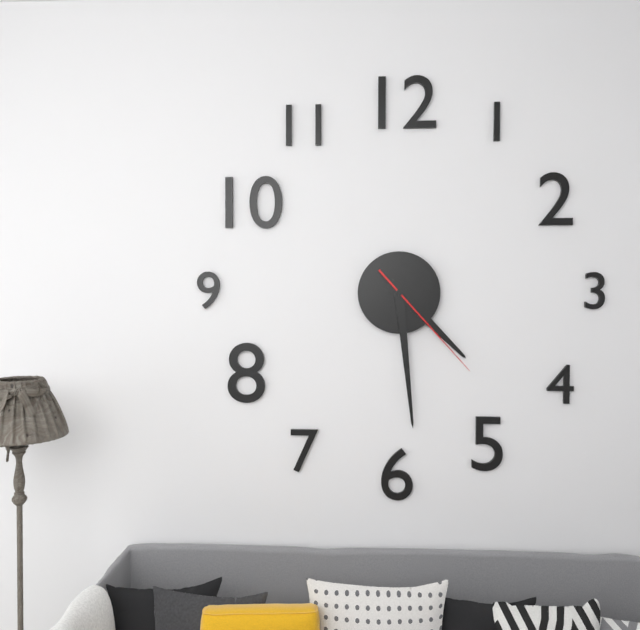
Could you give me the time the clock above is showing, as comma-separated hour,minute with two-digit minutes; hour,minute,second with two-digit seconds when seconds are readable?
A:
4,29,23
